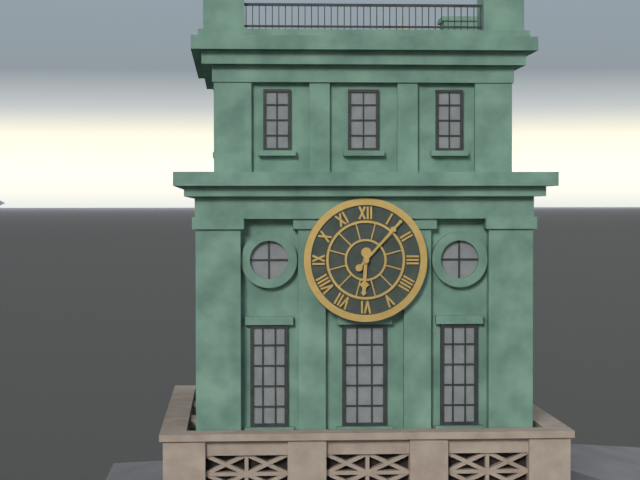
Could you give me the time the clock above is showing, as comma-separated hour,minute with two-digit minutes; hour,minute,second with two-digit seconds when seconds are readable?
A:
6,07
